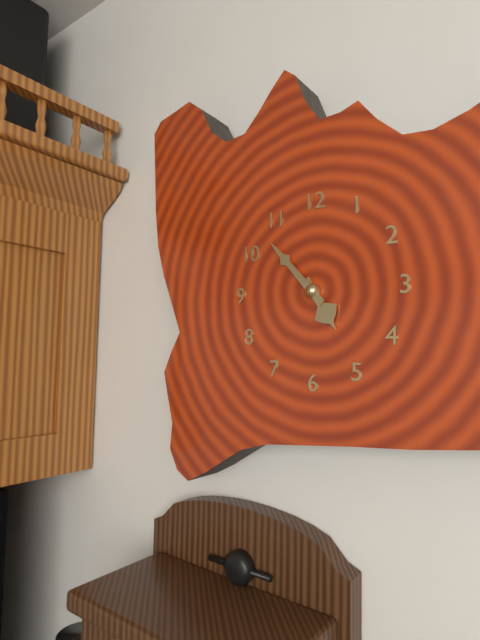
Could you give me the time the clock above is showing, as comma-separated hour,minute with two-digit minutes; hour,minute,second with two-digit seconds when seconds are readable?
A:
4,53
